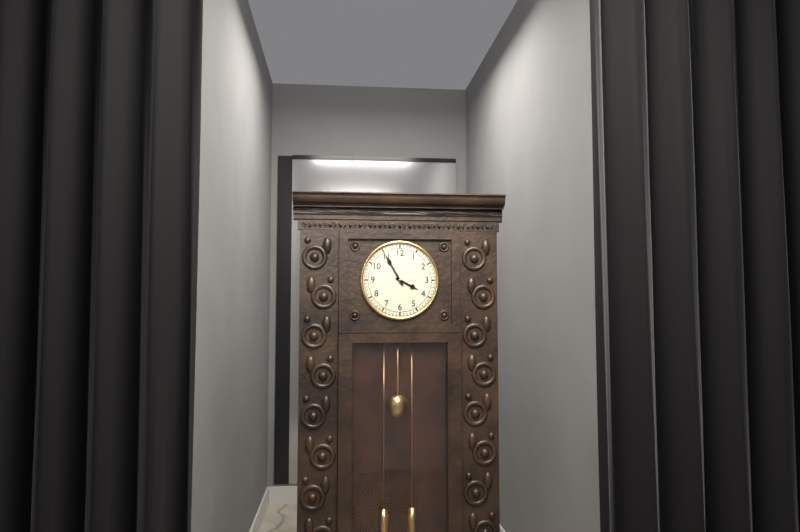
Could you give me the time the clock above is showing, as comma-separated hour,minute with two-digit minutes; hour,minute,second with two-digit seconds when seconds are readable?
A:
3,55
